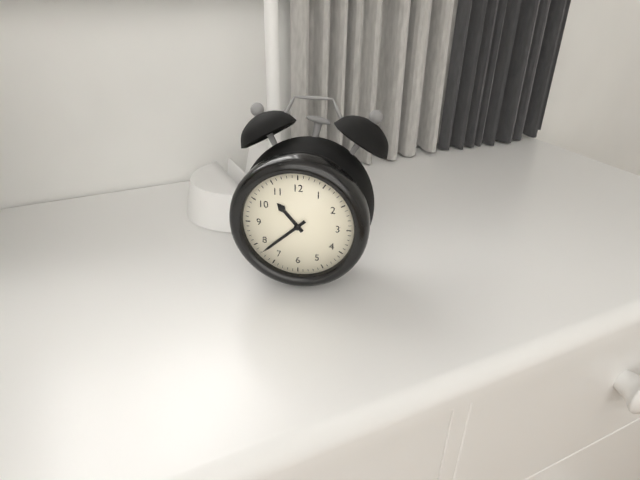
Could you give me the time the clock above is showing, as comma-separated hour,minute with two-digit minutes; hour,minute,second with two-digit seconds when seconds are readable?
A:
10,38
